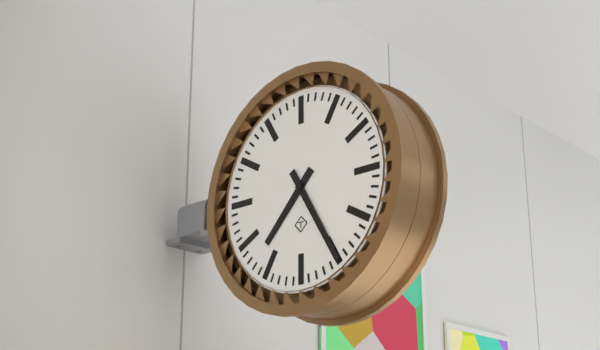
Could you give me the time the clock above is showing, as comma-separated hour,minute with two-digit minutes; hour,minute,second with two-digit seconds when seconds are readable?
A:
7,25
